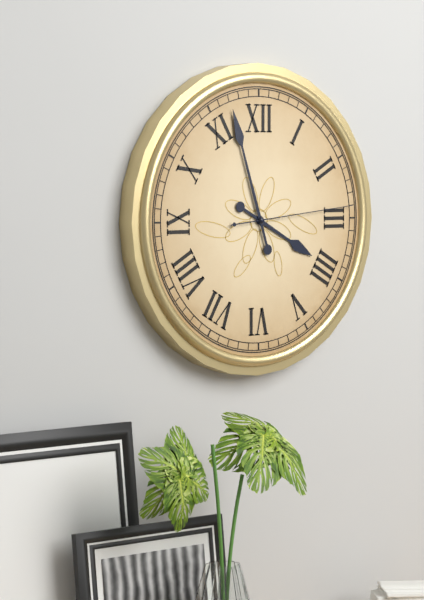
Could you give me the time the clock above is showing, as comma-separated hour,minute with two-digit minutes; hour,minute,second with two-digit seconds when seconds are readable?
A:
3,57,14
